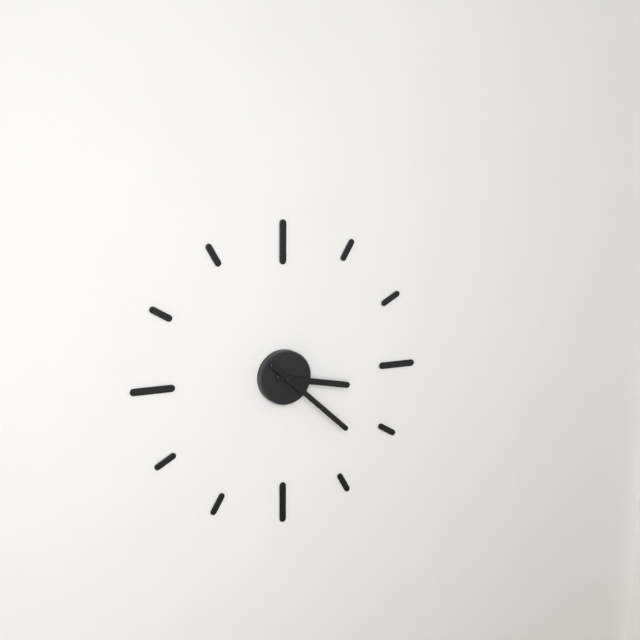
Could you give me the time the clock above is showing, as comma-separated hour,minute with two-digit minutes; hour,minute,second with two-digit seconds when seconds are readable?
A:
3,22
